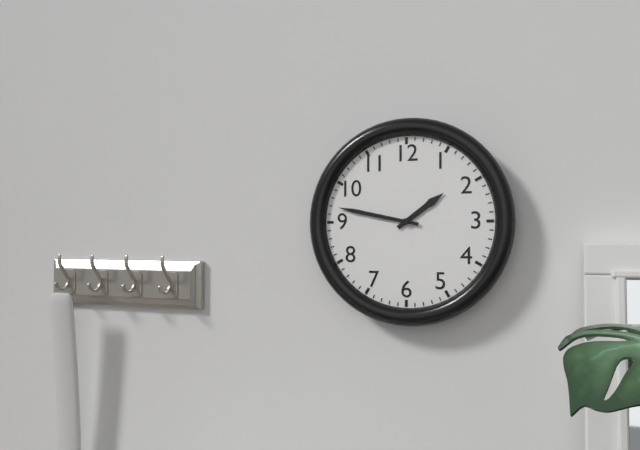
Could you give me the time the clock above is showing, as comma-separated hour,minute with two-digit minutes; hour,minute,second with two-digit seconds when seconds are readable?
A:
1,47
